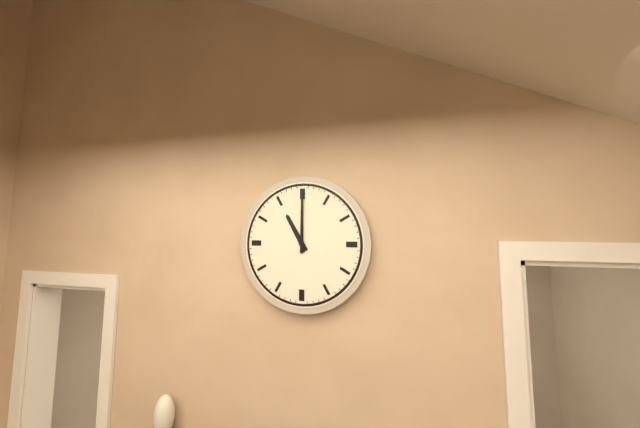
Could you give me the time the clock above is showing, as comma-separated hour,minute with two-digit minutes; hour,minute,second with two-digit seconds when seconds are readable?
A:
11,00
